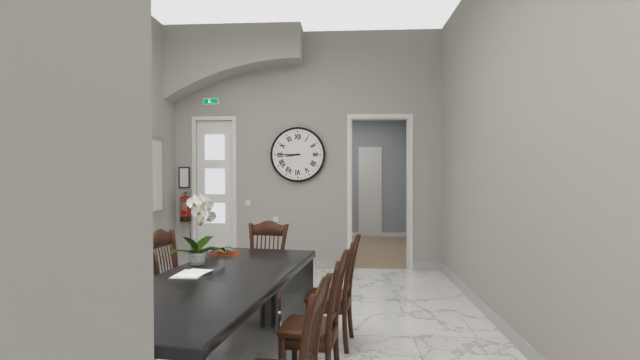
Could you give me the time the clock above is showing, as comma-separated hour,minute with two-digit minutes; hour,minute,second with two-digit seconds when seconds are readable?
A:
8,45
